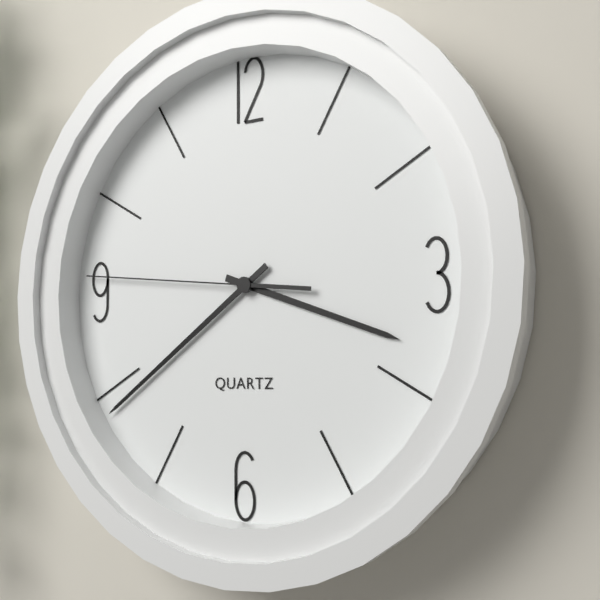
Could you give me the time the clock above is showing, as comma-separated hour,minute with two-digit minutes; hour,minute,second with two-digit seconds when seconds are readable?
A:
3,39,46
